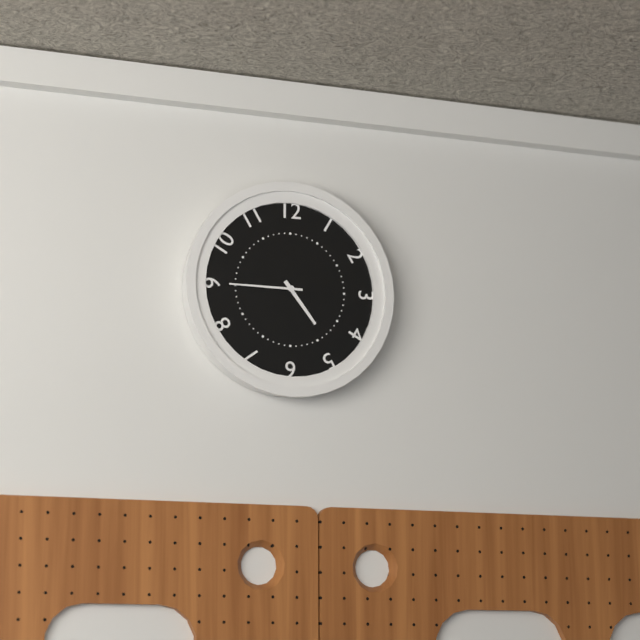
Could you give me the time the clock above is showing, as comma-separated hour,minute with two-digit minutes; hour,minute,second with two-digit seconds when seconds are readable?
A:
4,45
